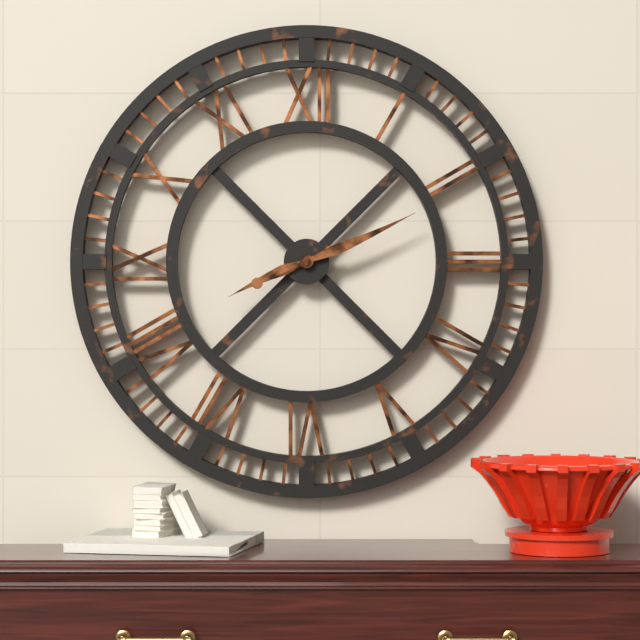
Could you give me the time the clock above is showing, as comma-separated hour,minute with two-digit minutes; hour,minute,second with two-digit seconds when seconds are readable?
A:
8,11
